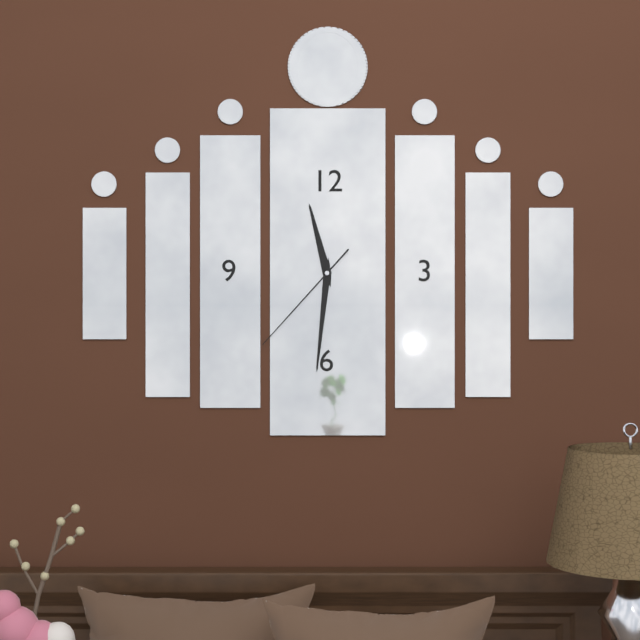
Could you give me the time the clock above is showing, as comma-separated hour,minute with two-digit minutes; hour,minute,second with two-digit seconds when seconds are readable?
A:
11,31,37
